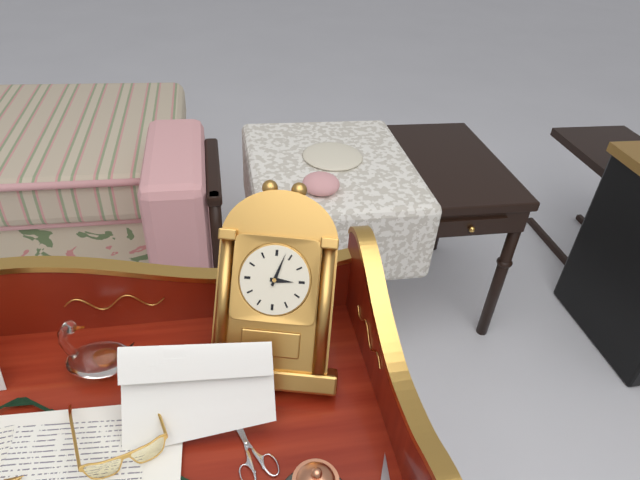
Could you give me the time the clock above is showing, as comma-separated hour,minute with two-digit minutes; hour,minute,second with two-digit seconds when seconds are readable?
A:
3,03
